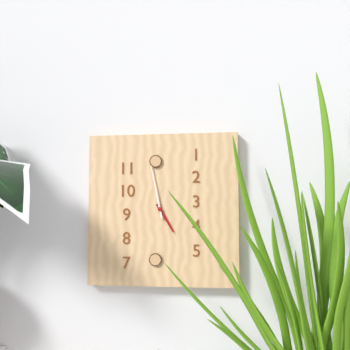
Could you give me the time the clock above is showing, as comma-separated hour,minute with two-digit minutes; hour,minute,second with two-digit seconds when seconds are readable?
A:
4,58
